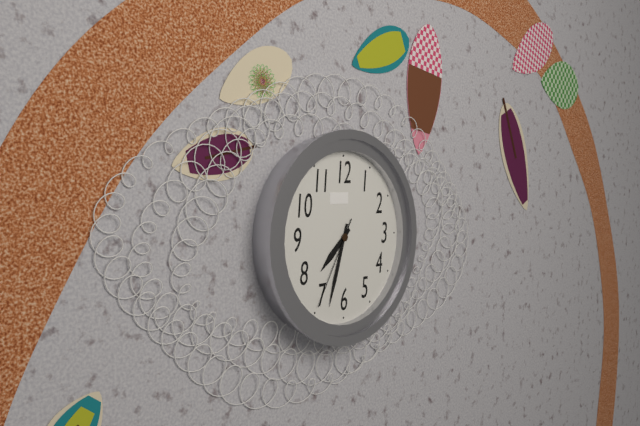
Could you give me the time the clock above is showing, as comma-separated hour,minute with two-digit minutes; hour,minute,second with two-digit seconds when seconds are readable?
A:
7,33,35
